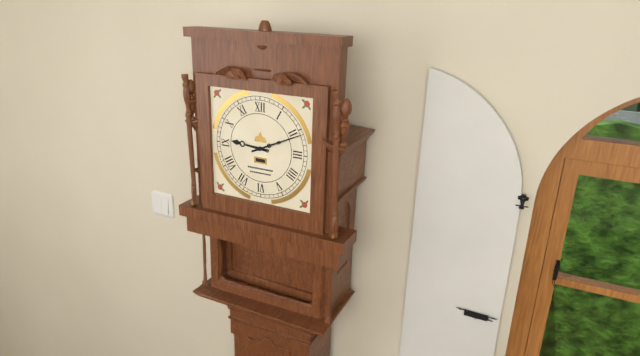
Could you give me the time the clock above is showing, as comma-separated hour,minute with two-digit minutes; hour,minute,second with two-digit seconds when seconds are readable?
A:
9,11
